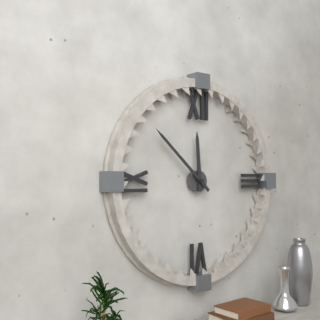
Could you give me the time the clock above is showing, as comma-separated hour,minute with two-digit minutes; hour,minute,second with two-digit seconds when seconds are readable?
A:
11,52
